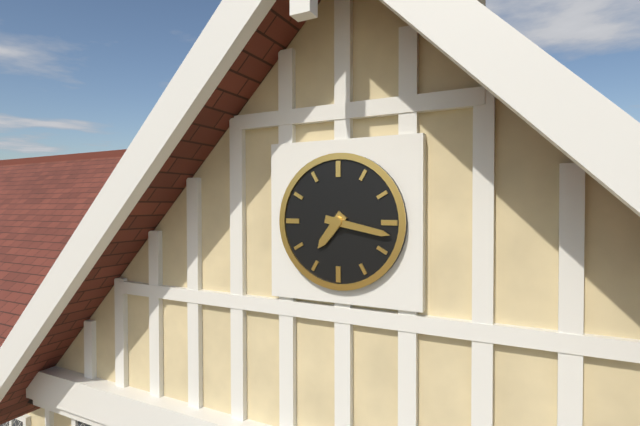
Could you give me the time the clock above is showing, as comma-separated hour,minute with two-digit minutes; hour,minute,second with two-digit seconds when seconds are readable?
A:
7,17
